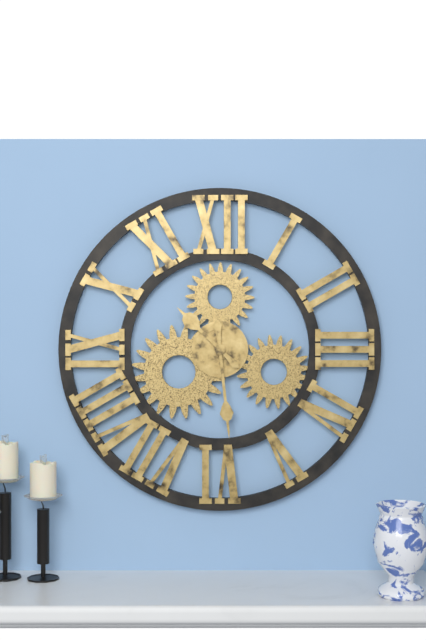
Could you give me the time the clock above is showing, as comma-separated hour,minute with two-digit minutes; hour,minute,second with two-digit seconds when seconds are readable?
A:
10,29
